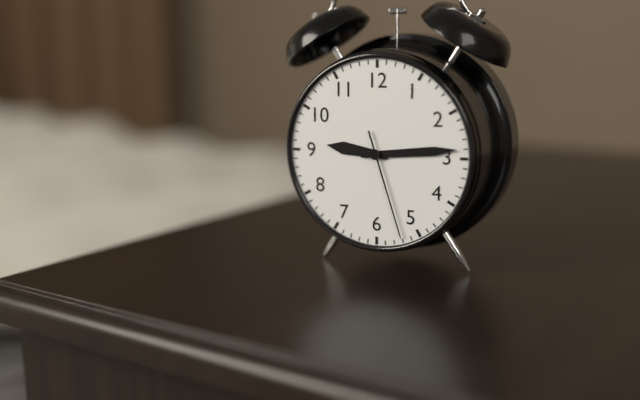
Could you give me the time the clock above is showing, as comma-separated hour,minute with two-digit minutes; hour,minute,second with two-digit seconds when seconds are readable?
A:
9,14,27
